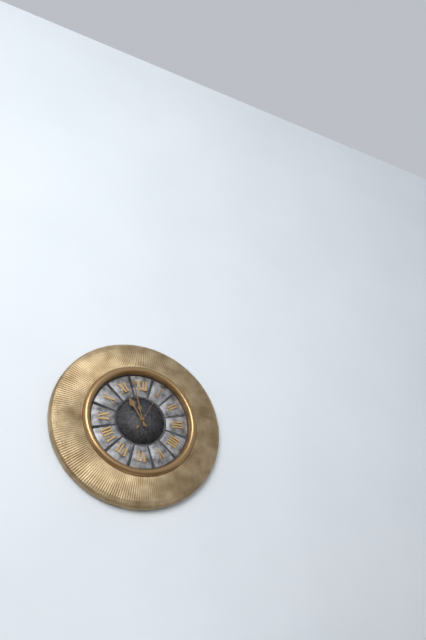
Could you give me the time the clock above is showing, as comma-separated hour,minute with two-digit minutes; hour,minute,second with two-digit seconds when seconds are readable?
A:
10,58
